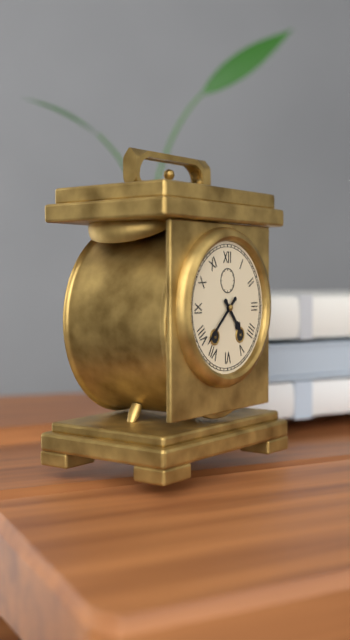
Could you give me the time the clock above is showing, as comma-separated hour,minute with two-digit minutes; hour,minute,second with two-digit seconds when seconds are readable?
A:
4,38
